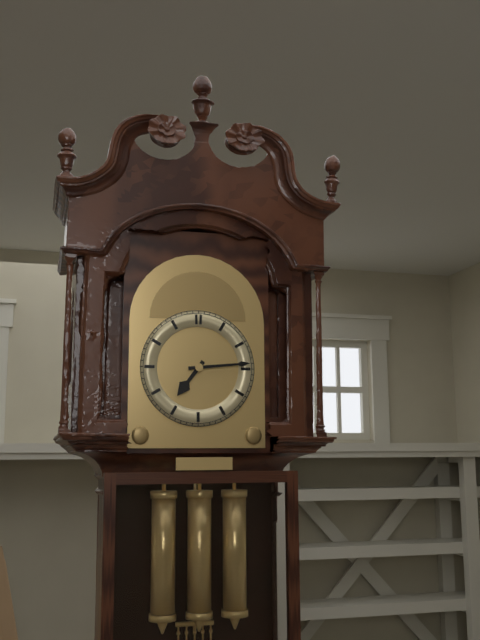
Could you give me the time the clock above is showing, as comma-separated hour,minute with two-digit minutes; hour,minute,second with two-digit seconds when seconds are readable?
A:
7,14
